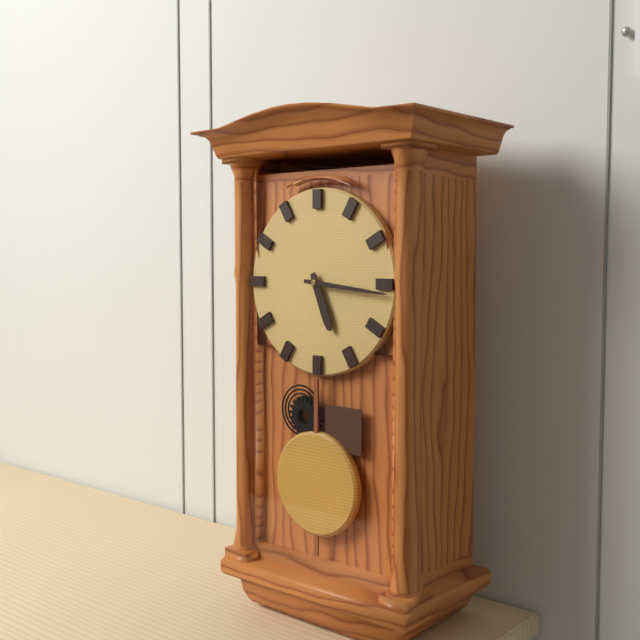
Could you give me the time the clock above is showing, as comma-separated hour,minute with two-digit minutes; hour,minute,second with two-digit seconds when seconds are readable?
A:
5,16
